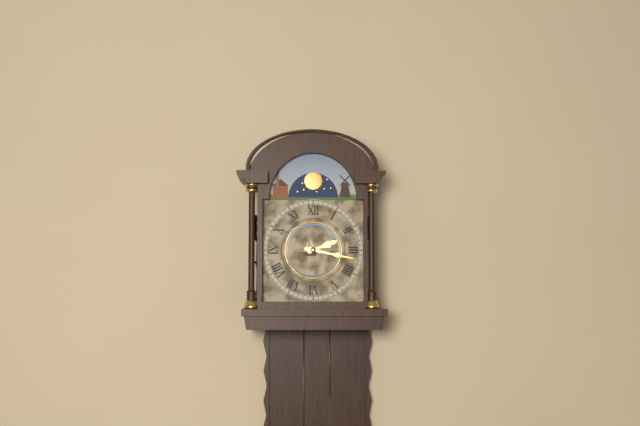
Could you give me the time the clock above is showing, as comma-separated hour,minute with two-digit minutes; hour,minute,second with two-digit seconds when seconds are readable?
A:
2,17
